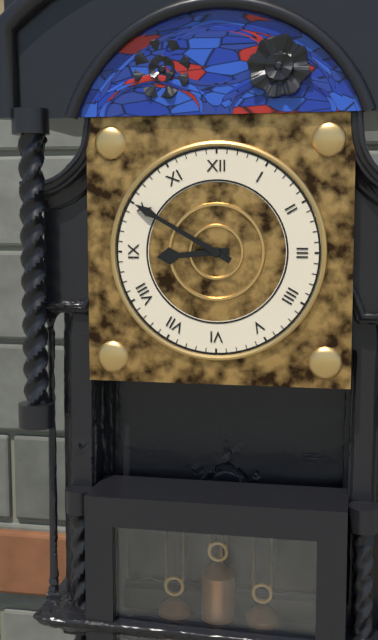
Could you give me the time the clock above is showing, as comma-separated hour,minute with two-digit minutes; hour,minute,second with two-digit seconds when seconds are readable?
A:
8,50
